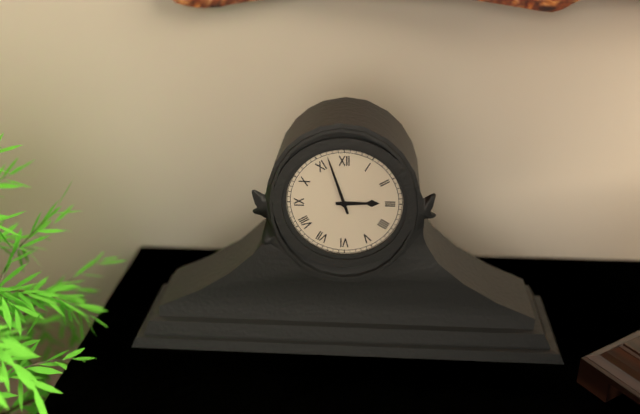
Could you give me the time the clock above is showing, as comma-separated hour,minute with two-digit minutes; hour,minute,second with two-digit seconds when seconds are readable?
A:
2,57
